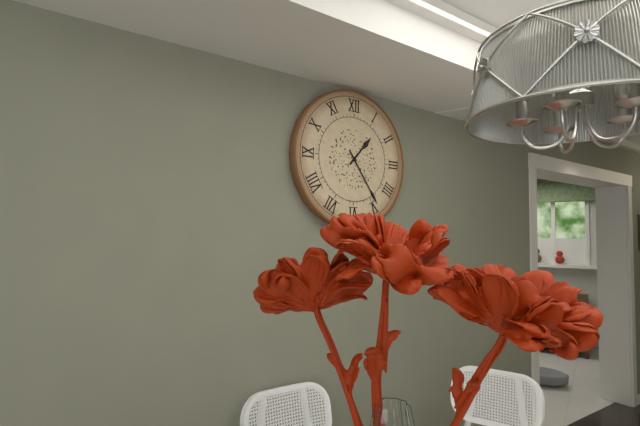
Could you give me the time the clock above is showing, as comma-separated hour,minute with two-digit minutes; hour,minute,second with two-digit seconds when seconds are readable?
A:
1,24
